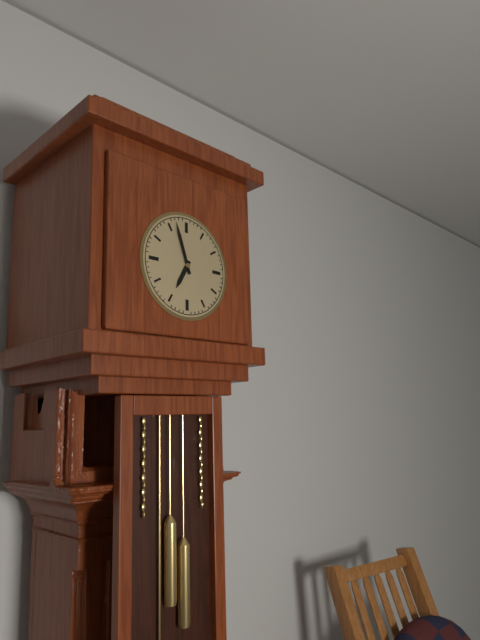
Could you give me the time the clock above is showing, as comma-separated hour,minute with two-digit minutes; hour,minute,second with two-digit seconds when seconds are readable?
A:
6,57
